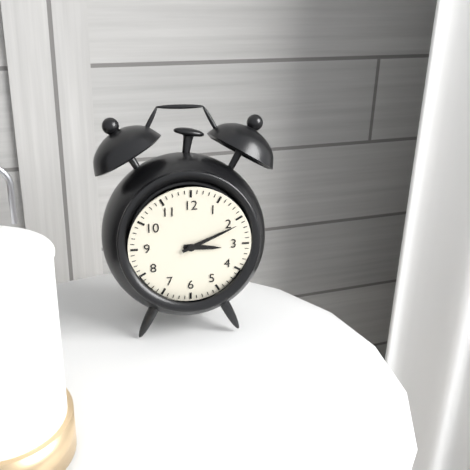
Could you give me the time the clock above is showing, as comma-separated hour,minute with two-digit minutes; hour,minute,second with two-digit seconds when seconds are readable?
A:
3,11
